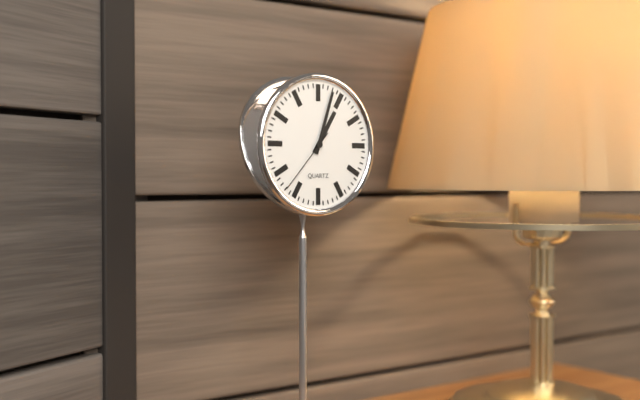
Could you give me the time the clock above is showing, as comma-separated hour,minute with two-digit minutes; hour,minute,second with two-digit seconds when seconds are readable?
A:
1,03,37
